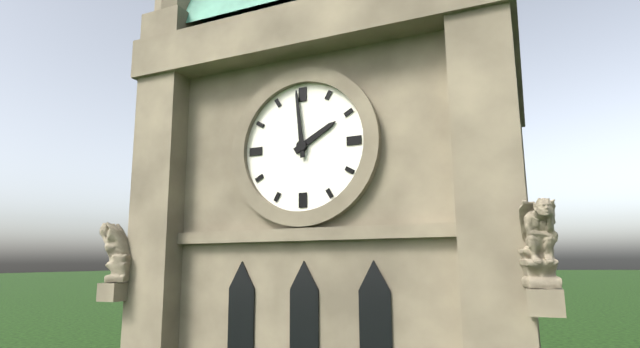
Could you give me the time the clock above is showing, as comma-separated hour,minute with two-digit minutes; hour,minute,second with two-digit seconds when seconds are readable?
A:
1,59
